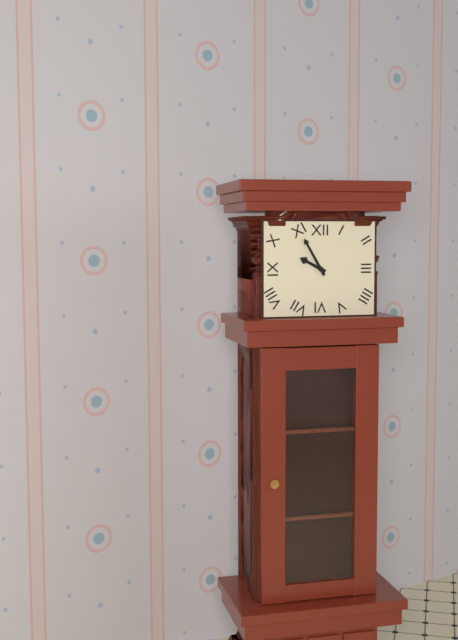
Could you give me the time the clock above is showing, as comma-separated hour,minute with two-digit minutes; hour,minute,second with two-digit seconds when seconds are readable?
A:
9,55
